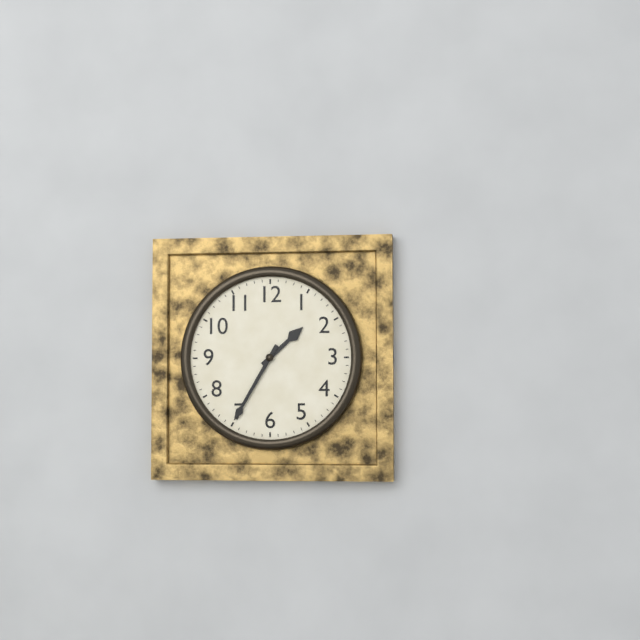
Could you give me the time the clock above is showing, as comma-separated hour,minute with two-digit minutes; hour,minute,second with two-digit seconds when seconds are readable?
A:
1,35
